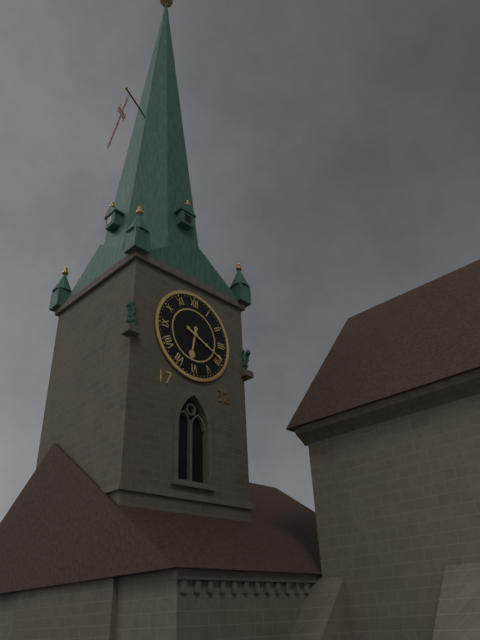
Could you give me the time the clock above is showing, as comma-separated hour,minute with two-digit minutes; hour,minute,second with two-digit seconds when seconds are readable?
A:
6,19
